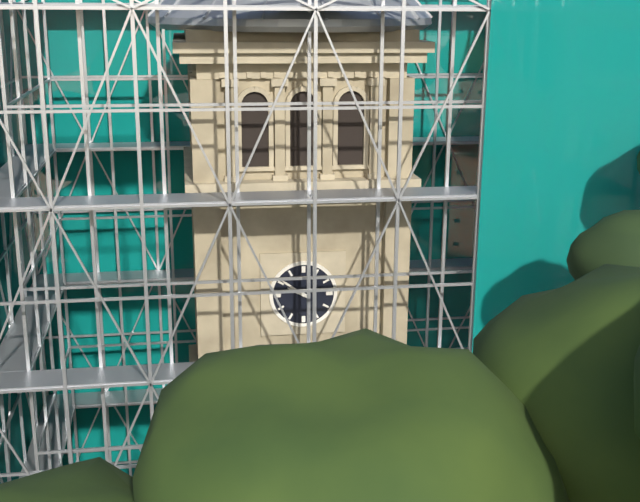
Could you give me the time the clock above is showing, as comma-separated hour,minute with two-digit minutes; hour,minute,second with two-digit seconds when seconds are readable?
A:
9,51
